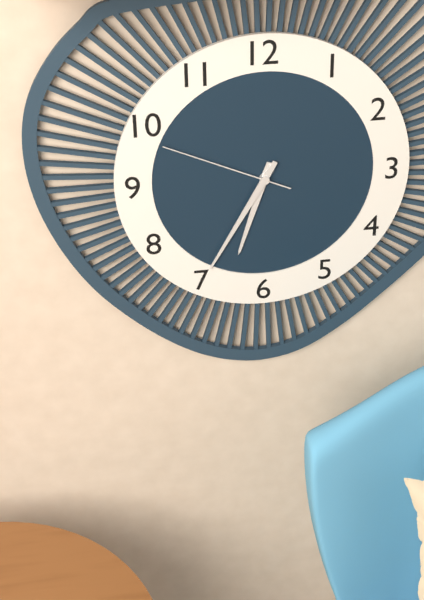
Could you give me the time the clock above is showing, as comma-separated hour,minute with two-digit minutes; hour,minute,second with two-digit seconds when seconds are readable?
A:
6,35,49
